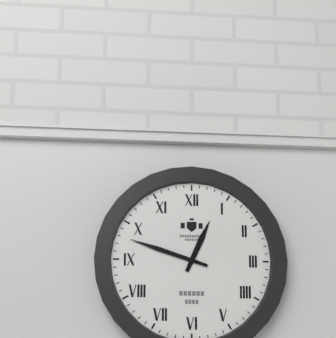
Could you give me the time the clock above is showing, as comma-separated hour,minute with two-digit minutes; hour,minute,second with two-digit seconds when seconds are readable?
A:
12,48
